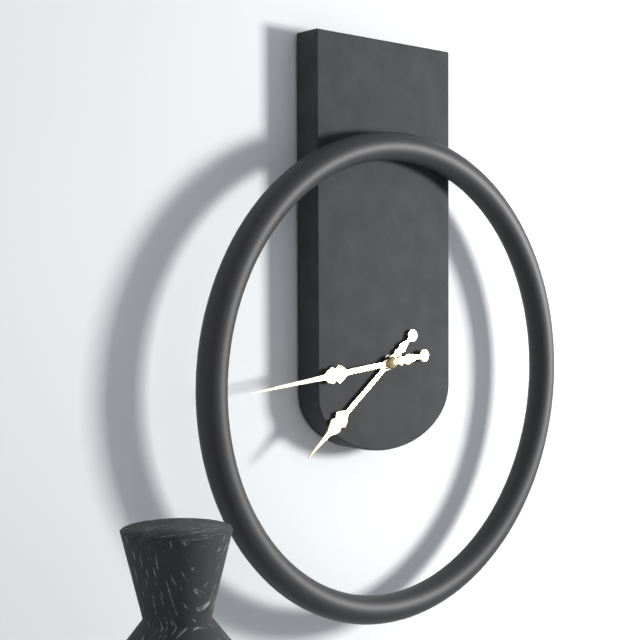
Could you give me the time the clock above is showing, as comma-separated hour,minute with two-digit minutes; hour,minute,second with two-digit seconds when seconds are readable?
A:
7,44
